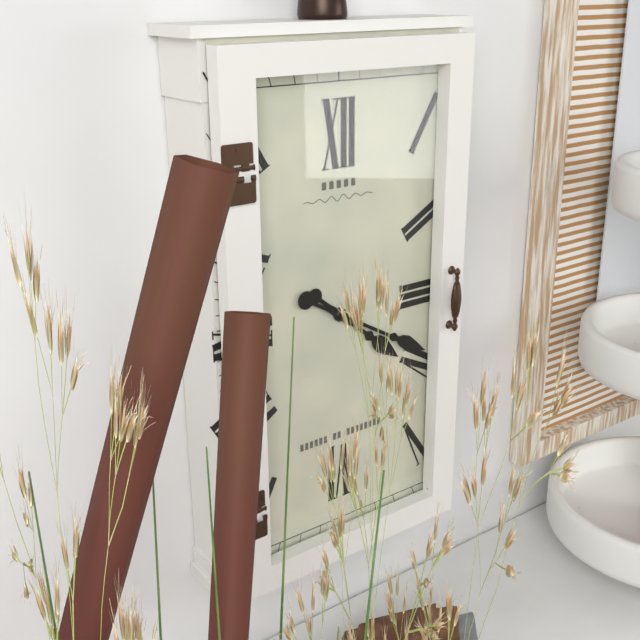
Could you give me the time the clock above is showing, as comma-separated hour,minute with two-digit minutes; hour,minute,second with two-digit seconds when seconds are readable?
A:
4,20
